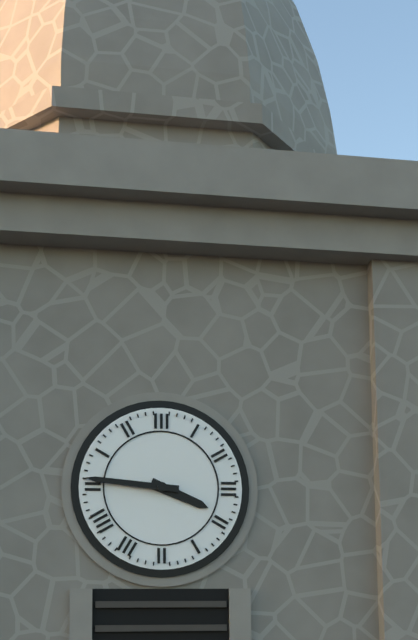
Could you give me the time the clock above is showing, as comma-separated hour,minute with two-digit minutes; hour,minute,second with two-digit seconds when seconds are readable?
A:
3,46
